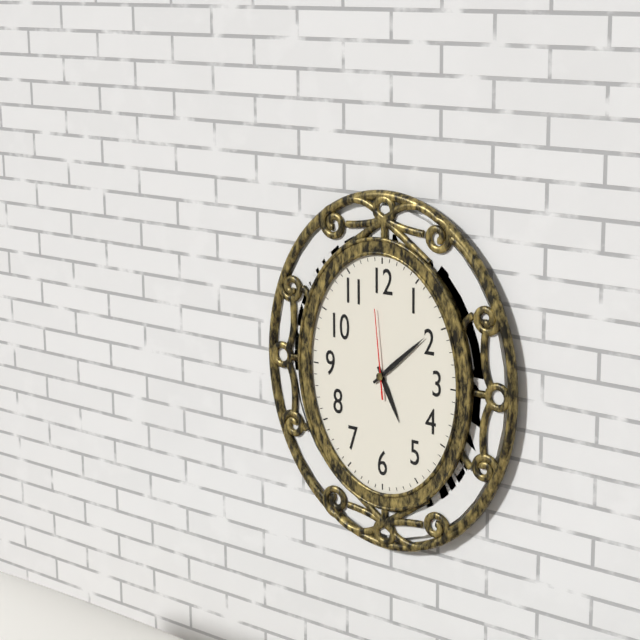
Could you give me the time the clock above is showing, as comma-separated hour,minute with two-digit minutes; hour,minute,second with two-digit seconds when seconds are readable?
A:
5,08,59
